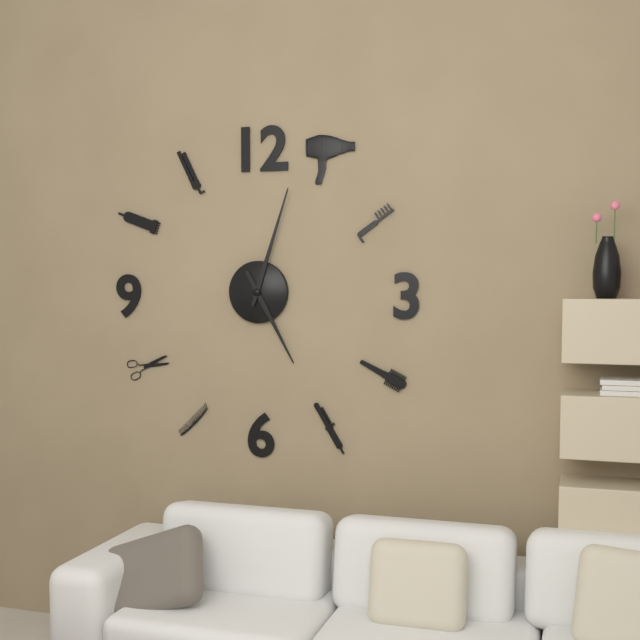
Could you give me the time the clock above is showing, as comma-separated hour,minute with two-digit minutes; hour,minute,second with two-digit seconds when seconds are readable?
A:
5,03
